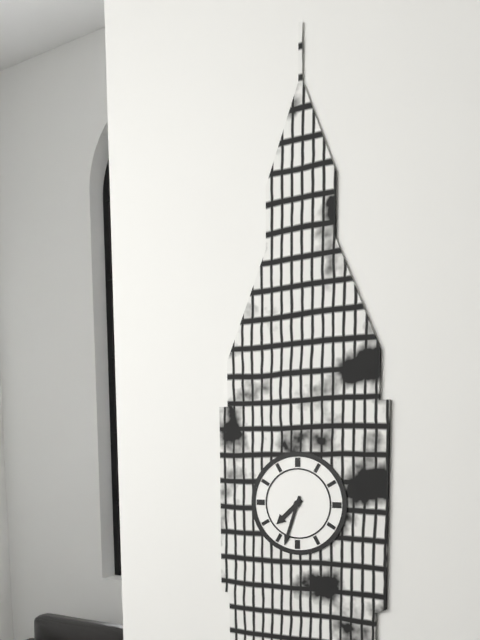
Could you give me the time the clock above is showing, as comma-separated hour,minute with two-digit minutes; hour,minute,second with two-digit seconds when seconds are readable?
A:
7,33
